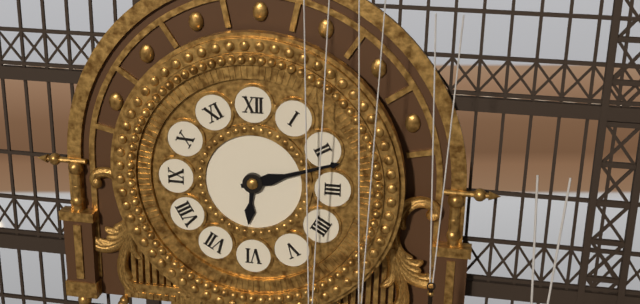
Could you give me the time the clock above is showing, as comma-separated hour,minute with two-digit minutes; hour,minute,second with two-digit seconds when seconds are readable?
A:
6,12
